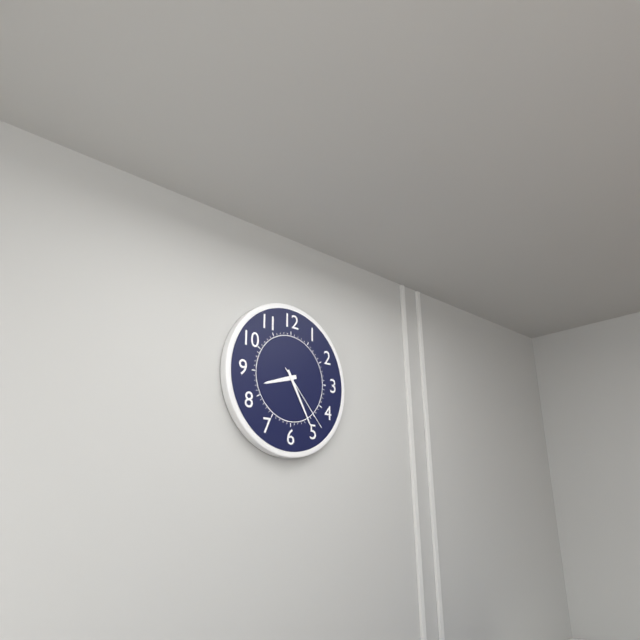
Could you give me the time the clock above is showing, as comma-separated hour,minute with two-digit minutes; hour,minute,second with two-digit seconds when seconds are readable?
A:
8,25,23
